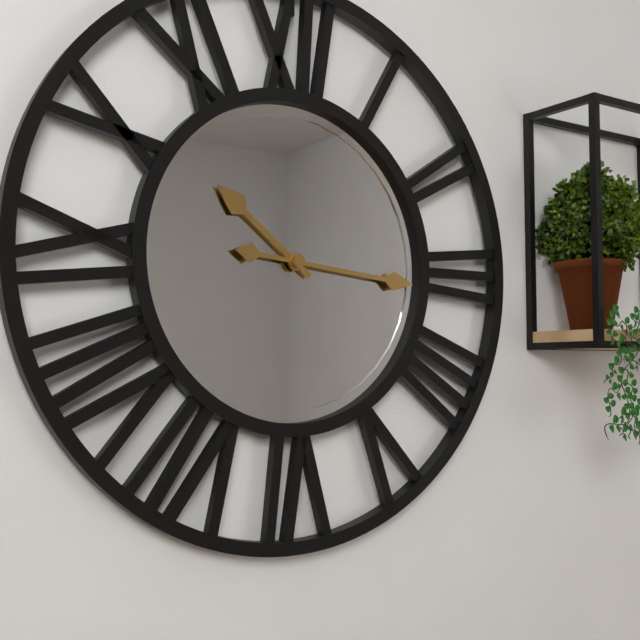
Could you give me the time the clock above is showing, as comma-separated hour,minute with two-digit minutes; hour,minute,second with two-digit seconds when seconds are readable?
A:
10,16
